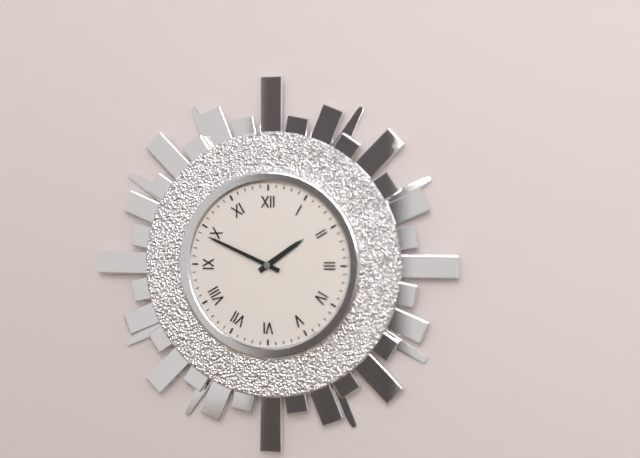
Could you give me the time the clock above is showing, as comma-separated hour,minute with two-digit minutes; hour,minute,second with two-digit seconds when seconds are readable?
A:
1,49
